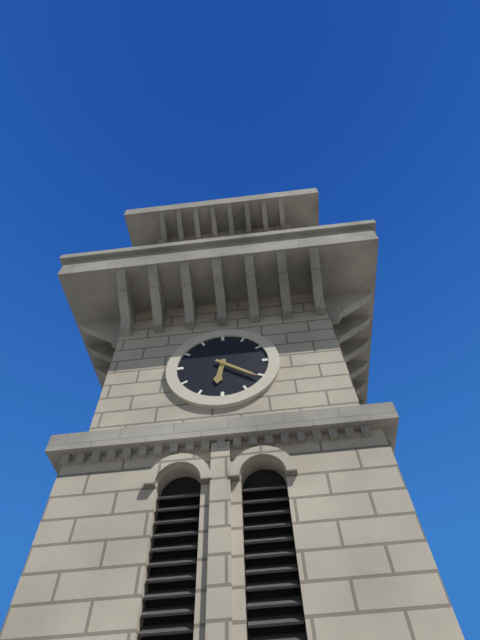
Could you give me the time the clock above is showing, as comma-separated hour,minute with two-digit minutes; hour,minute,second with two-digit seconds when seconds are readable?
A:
6,21
